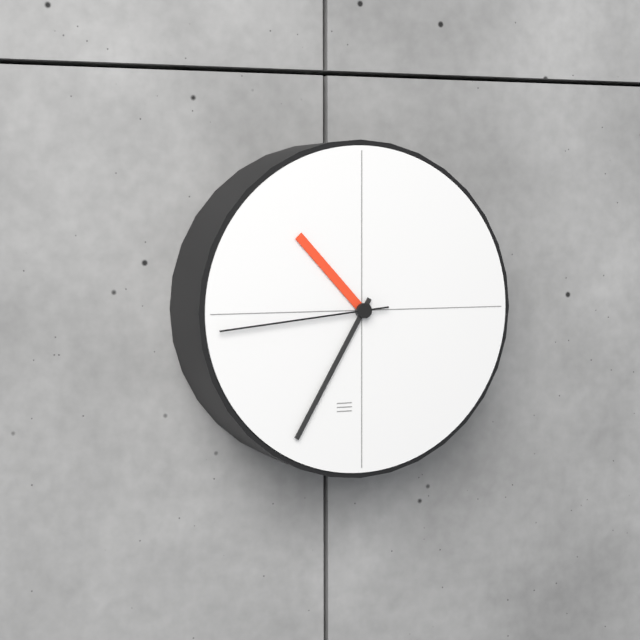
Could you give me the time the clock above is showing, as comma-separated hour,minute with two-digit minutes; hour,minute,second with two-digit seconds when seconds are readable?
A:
10,35,44
